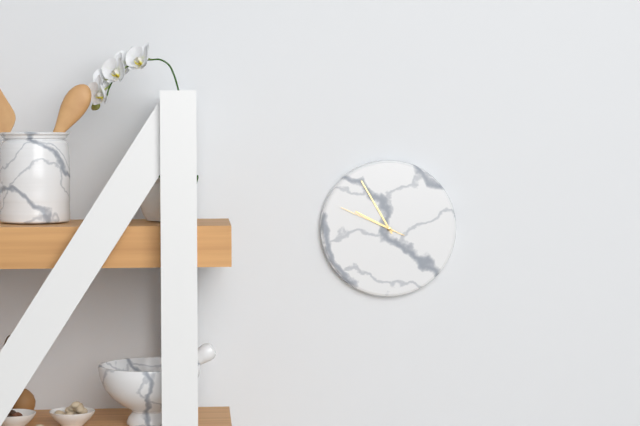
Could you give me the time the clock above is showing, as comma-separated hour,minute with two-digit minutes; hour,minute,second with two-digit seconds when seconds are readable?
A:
9,55,49
